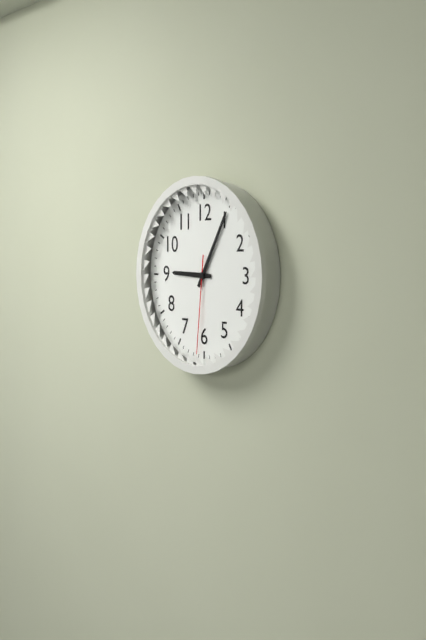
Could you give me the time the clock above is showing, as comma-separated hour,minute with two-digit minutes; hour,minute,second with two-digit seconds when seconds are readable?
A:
9,05,31
